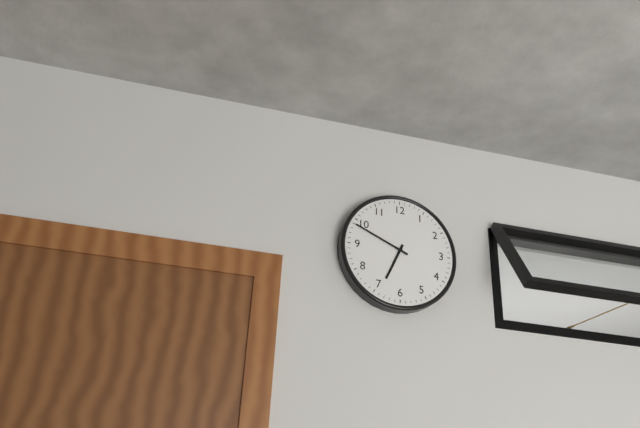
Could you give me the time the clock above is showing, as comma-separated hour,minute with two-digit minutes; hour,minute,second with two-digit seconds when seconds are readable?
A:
6,49
